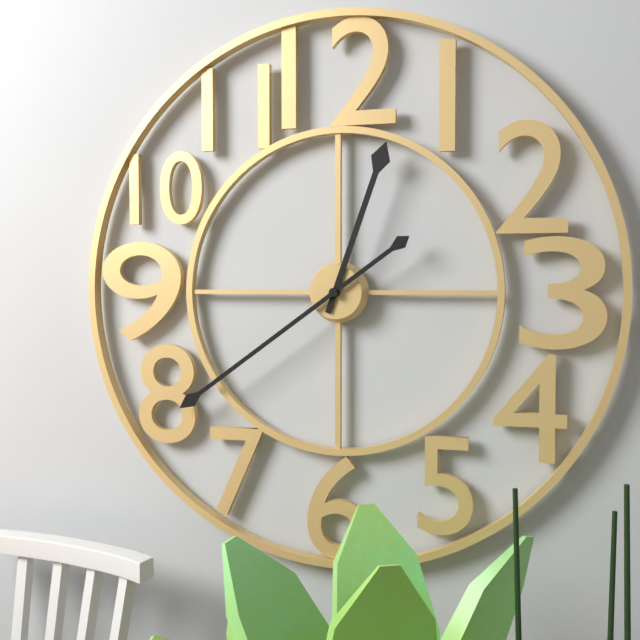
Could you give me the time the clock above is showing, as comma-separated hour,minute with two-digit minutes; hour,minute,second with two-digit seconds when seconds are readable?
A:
12,39
